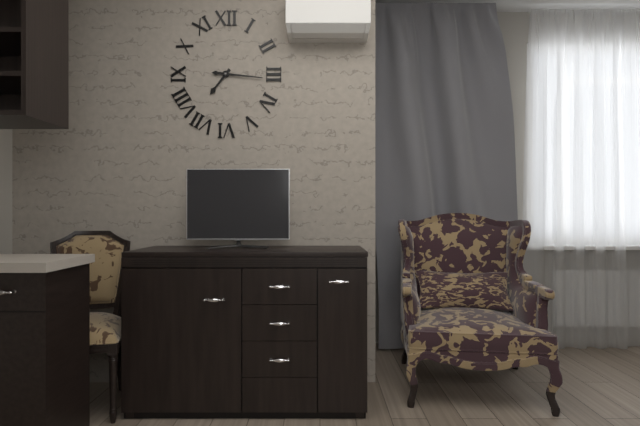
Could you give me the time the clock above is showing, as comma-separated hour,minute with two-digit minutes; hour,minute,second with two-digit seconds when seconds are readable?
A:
7,16
